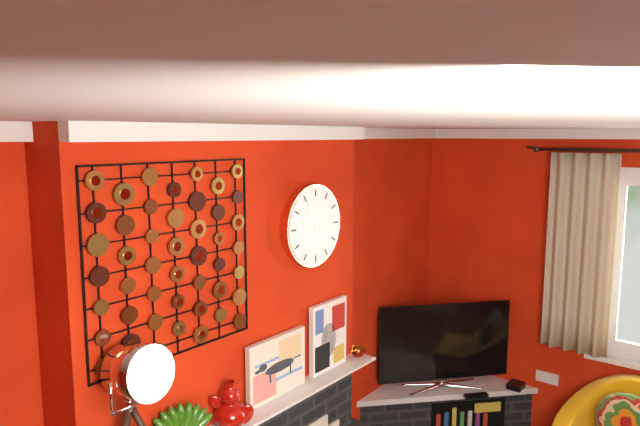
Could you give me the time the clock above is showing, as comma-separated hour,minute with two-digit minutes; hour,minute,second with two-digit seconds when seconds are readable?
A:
10,56
